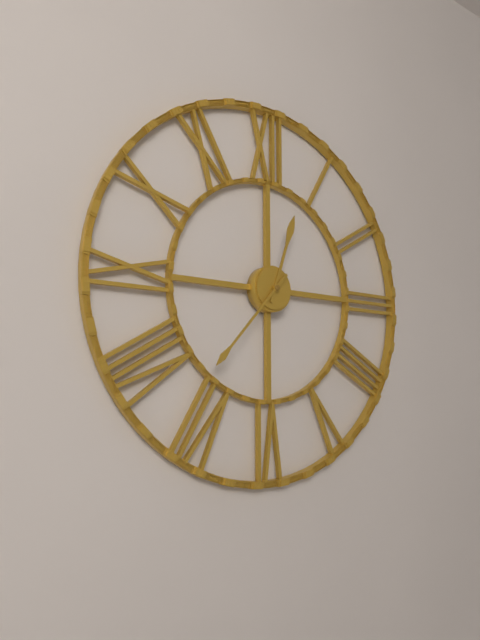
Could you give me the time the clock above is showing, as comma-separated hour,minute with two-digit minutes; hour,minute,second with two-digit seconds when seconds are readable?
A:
12,37
